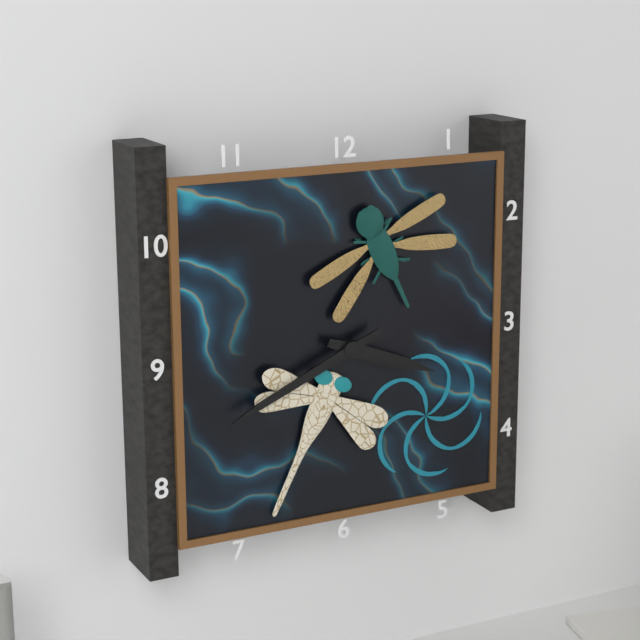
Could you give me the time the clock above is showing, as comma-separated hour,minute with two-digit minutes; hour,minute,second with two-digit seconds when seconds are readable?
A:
3,41
